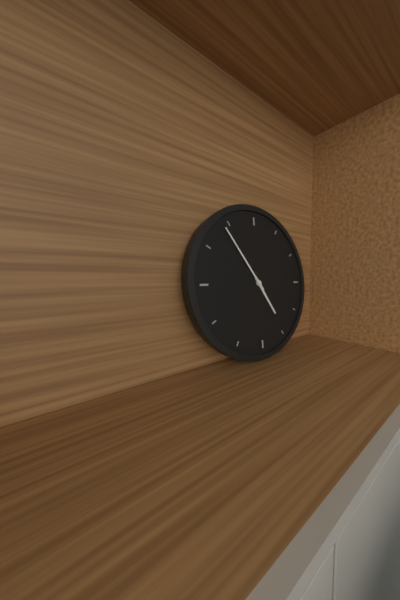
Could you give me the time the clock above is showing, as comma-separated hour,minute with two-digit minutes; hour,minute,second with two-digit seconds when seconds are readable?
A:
4,54
